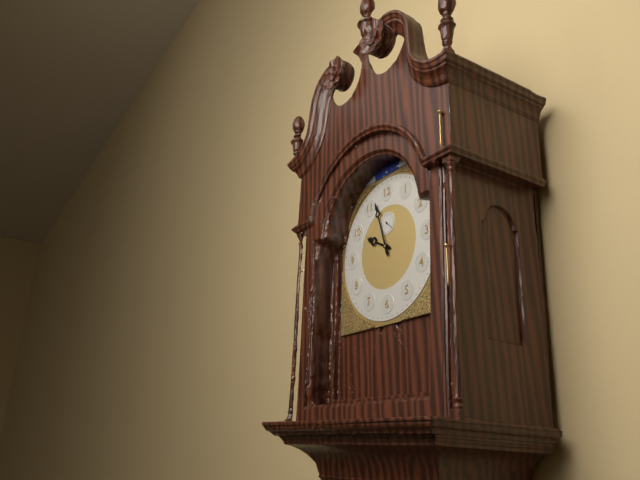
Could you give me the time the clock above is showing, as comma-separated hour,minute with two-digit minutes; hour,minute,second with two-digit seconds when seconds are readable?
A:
9,57
